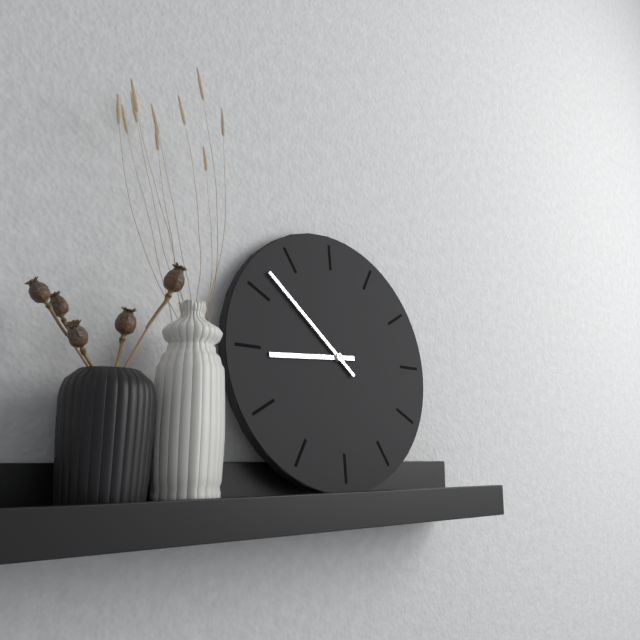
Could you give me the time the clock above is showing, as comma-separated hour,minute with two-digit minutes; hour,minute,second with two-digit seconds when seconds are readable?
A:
8,52
